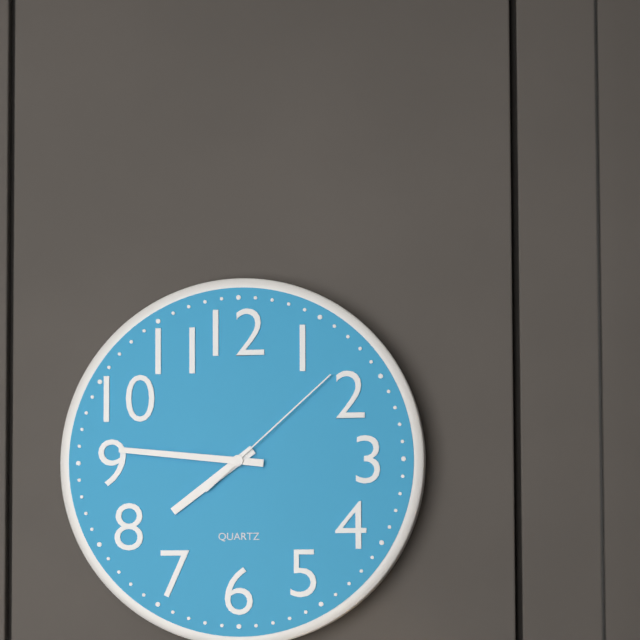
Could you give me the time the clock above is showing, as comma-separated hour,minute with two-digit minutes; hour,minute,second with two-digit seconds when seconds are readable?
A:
7,46,08
